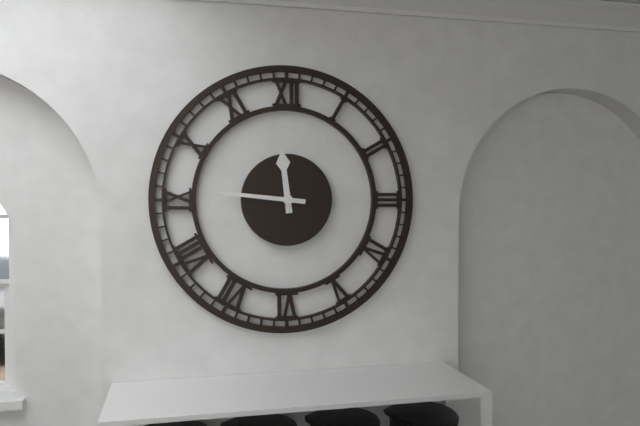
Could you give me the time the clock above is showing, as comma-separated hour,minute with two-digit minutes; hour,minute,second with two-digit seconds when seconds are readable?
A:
11,46
